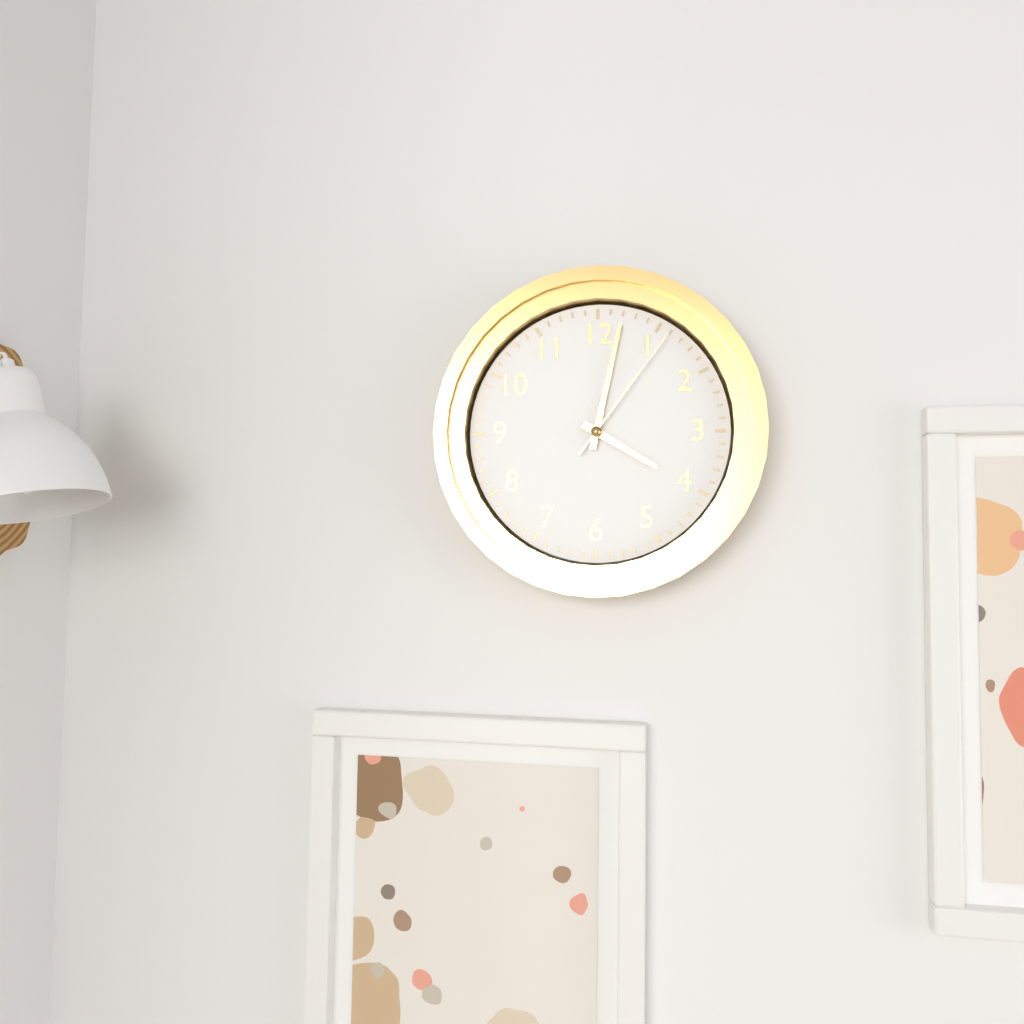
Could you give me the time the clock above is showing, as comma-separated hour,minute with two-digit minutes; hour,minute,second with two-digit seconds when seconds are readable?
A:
4,02,06
